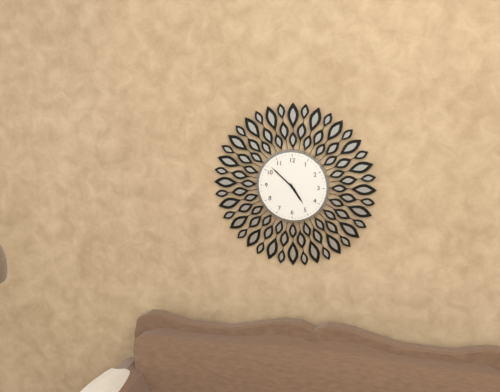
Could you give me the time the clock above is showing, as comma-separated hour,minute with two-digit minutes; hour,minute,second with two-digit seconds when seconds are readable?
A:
4,52
